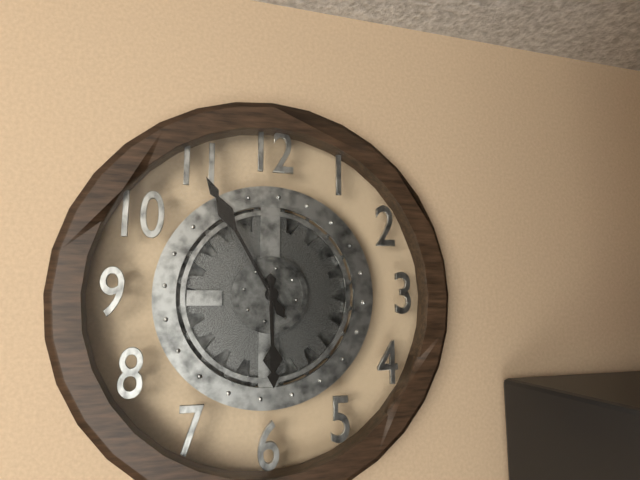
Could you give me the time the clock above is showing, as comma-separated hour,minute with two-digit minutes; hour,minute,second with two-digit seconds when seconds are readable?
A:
5,55
